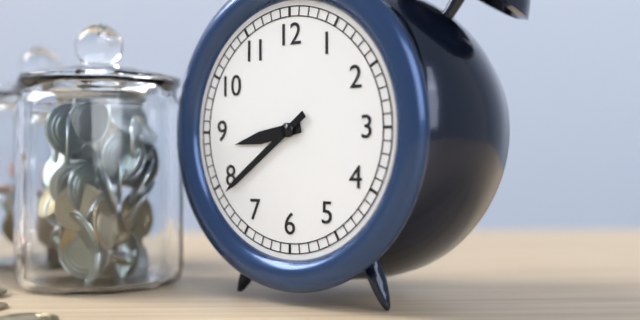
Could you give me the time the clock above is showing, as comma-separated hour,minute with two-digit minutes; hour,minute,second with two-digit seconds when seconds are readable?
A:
8,39
